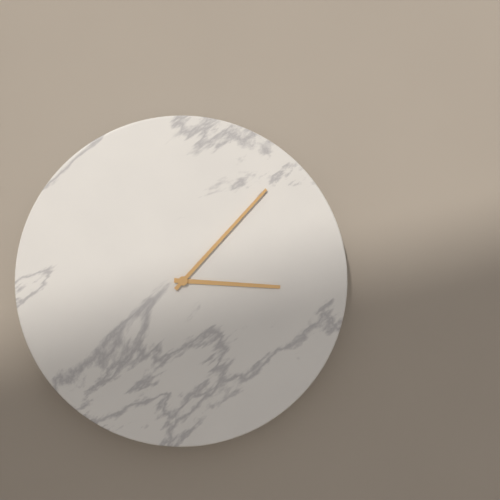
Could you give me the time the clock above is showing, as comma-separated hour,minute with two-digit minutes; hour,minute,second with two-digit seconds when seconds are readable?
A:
3,07
